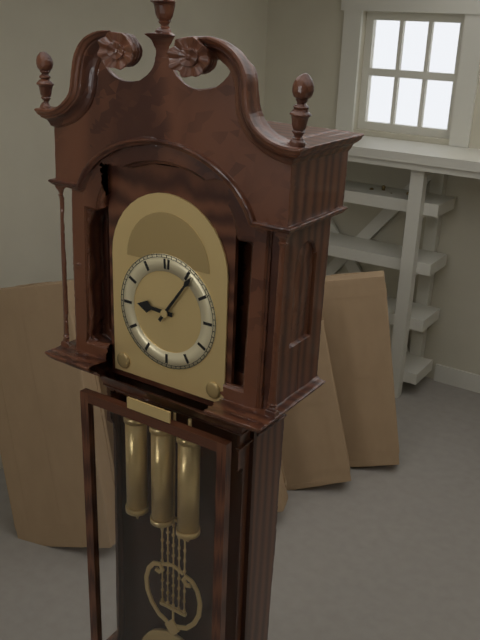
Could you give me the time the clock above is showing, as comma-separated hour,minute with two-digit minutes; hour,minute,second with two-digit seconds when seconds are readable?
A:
9,06
